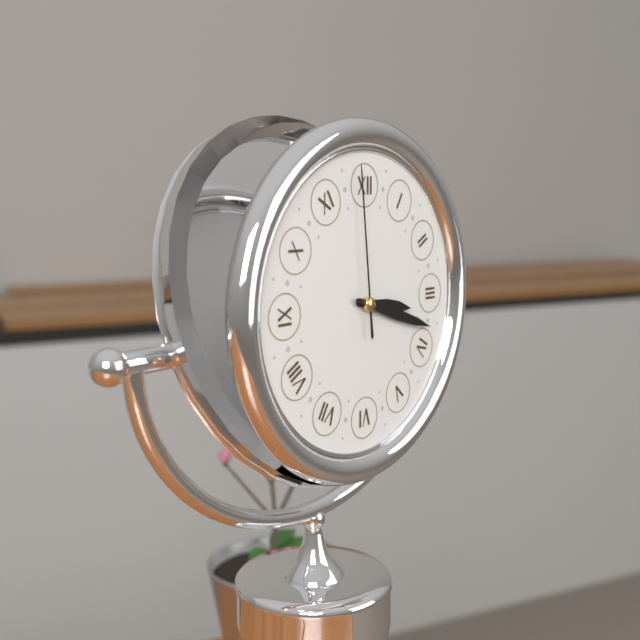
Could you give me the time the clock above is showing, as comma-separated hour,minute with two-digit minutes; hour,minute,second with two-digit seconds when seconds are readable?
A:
3,18,59
